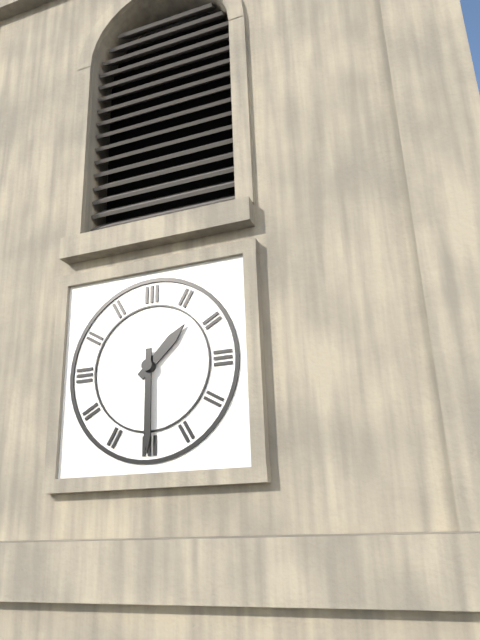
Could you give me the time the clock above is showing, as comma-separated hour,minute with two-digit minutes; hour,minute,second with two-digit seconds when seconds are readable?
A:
1,30
